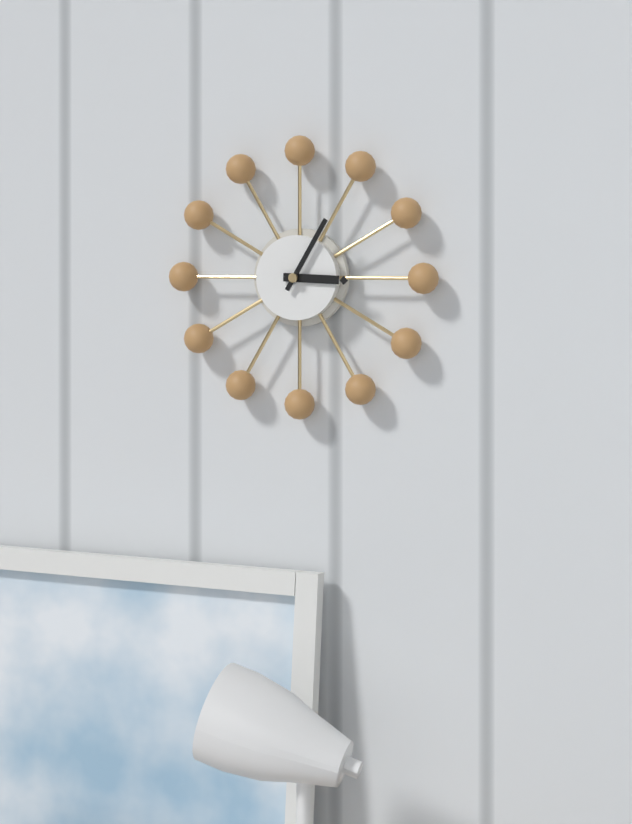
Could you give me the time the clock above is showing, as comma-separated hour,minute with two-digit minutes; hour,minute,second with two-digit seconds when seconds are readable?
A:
3,05
